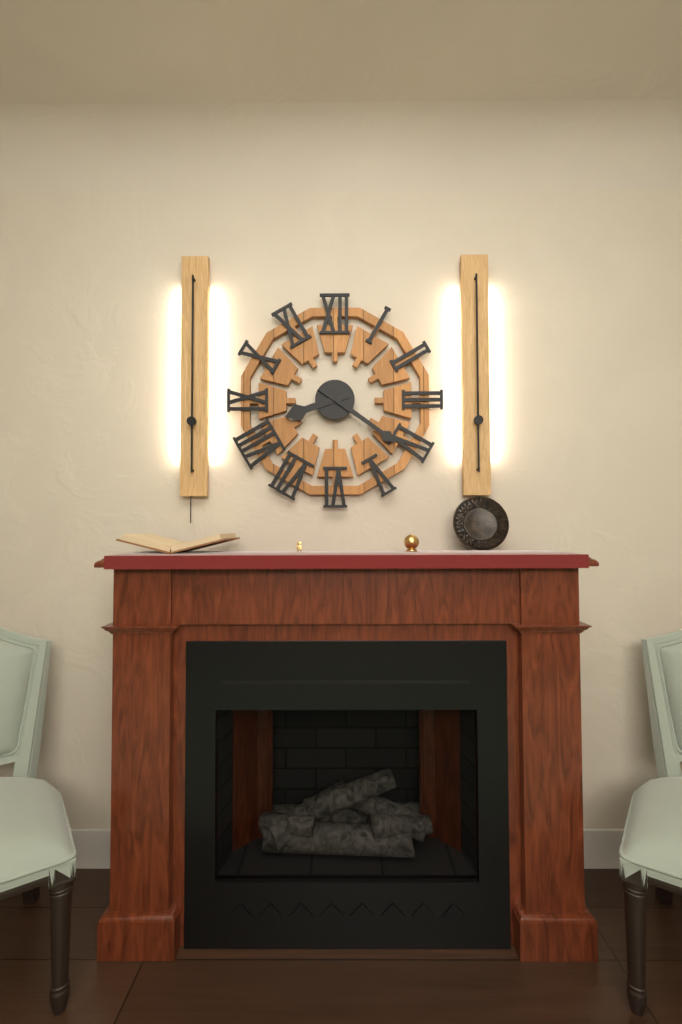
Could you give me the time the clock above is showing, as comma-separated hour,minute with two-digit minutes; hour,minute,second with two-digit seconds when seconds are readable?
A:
8,21
